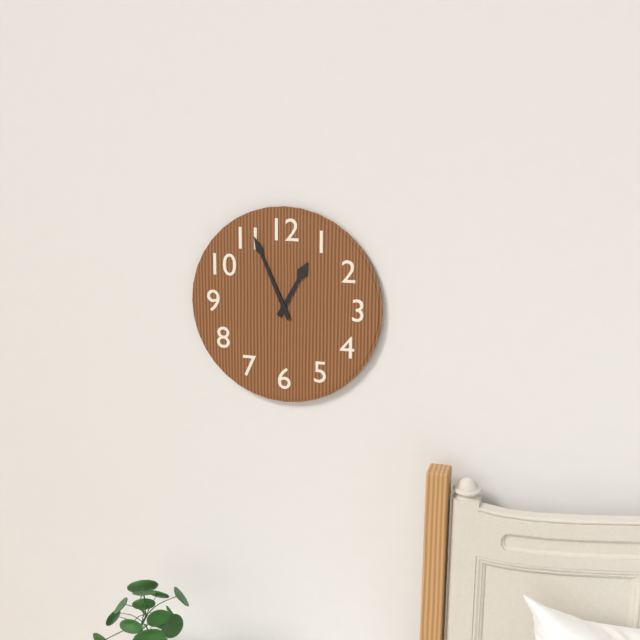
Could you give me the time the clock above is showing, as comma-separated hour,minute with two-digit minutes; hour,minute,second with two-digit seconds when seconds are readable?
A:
12,56
